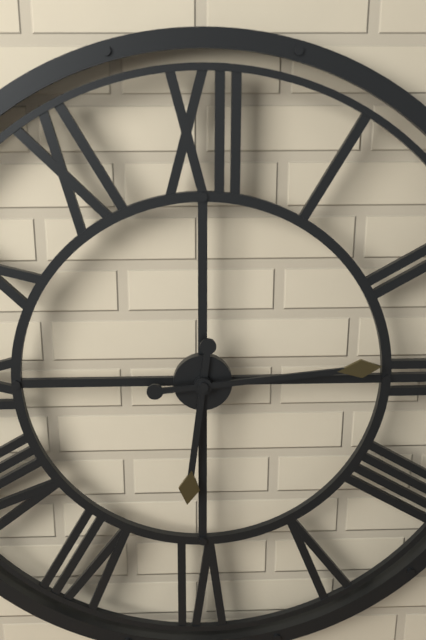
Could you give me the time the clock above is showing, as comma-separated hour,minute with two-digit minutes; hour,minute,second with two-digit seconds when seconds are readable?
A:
6,14
